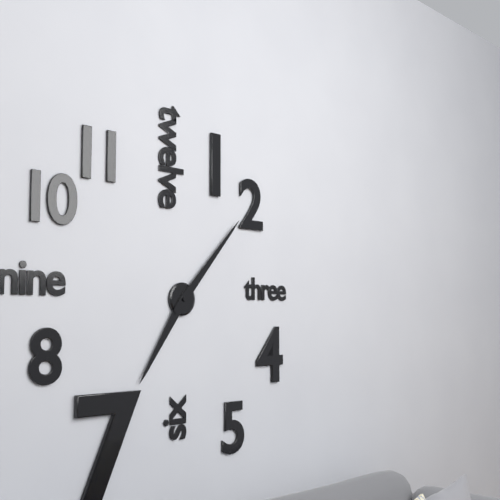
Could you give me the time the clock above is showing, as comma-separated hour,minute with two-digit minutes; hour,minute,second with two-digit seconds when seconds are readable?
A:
7,07
